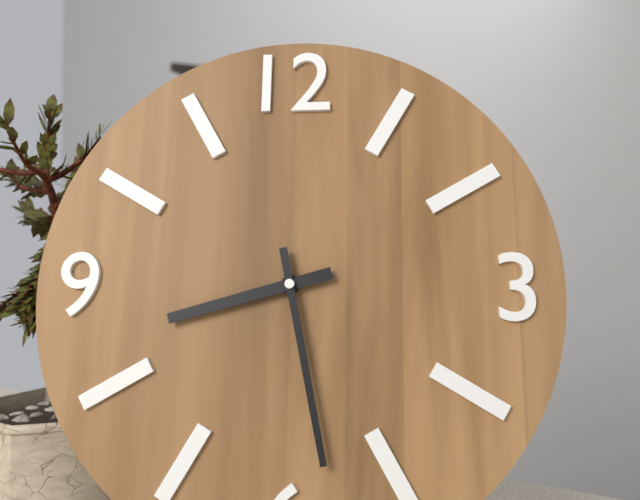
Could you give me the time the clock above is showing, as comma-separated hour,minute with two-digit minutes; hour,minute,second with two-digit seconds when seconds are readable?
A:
8,28
